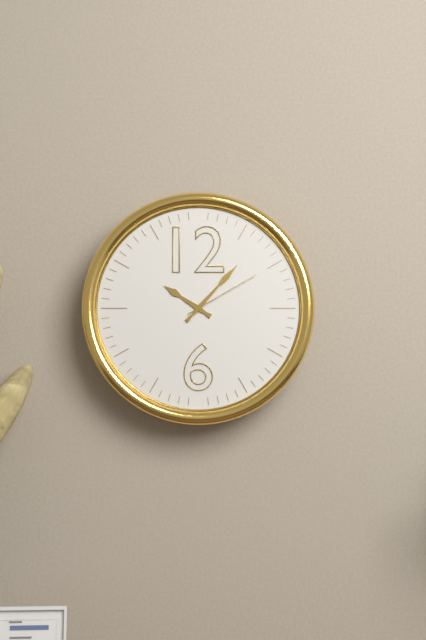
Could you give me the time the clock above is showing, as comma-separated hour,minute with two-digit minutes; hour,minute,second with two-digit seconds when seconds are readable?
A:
10,07,10
